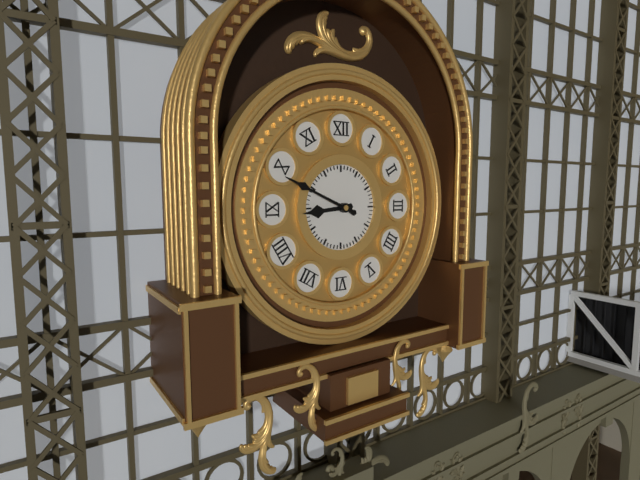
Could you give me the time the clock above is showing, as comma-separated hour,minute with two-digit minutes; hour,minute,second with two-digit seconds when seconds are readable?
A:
8,49
